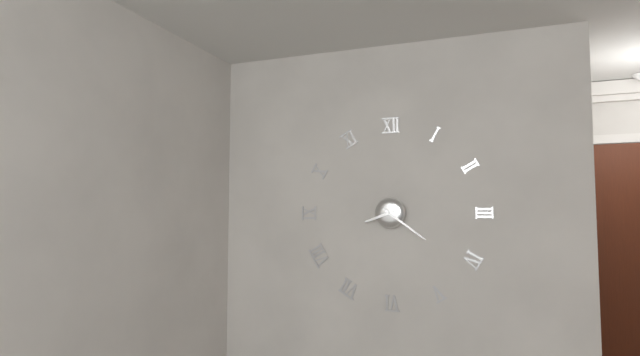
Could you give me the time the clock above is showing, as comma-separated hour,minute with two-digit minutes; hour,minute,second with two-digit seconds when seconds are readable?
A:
8,21
